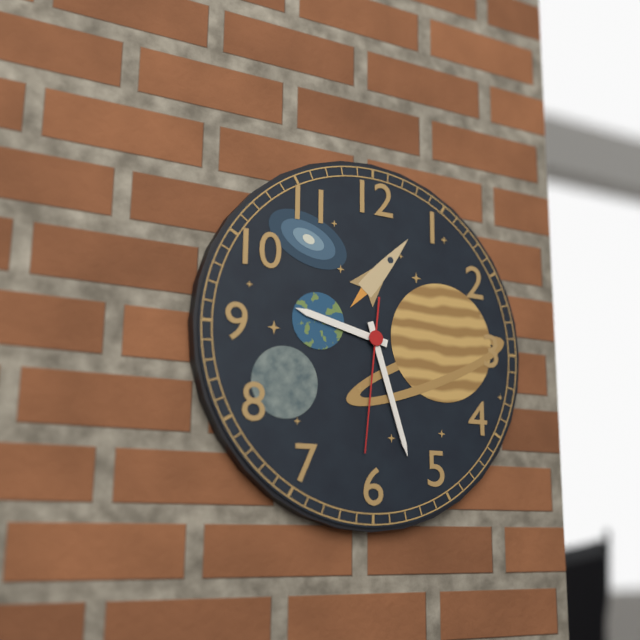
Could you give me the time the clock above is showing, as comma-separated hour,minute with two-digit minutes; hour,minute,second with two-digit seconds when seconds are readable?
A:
9,27,31
